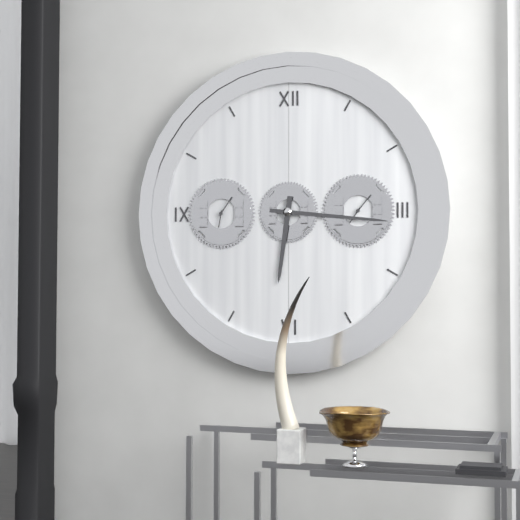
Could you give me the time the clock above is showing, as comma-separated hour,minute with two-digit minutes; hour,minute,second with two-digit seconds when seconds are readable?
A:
6,16
